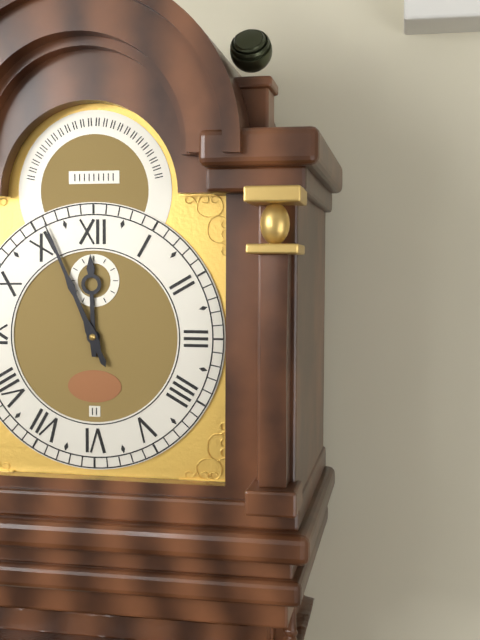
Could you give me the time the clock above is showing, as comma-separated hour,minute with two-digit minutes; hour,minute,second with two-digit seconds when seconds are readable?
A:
11,56
